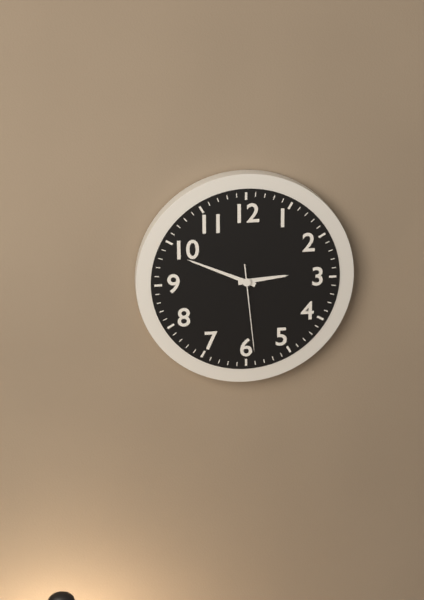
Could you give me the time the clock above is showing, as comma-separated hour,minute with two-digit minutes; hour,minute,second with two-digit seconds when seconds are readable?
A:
2,49,29
